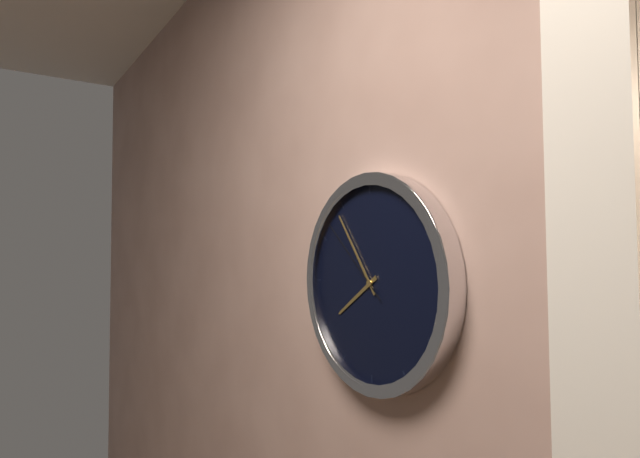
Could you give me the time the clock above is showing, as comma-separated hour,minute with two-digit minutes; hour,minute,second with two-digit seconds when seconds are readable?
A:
7,54,52
